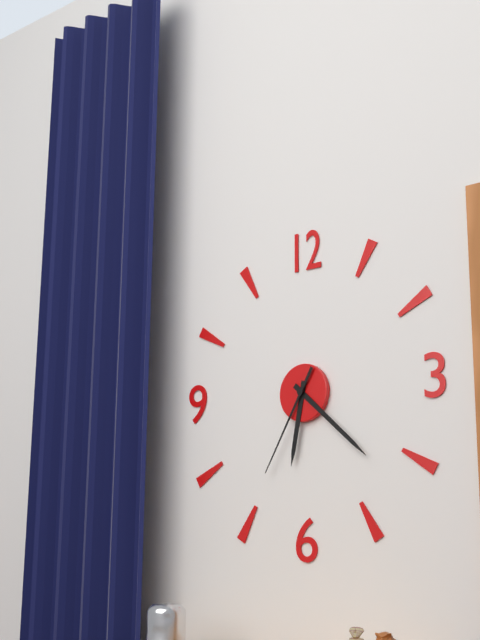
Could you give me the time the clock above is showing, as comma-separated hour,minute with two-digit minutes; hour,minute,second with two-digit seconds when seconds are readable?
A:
6,22,35
